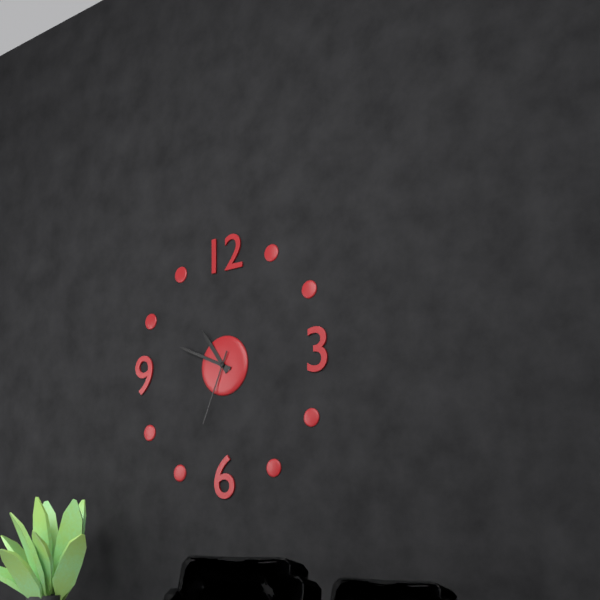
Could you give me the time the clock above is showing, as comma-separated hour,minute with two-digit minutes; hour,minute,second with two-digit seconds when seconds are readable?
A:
10,49,34
